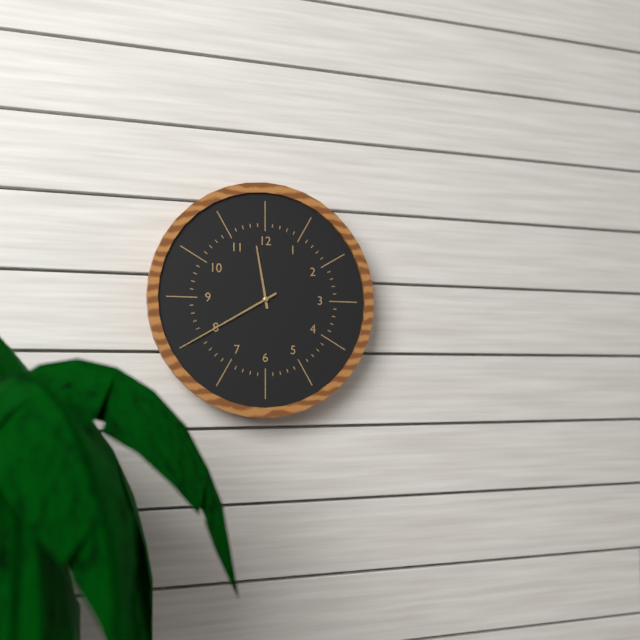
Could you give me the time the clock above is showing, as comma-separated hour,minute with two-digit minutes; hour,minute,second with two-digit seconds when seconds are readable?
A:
11,40
